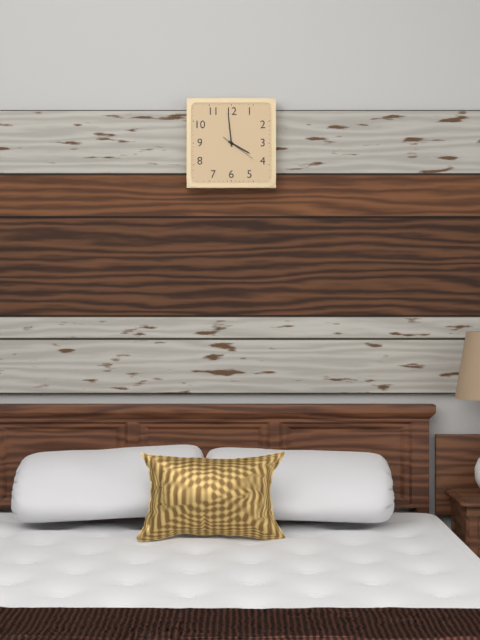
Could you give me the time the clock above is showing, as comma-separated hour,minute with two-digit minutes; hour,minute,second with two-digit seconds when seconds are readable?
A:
3,59
